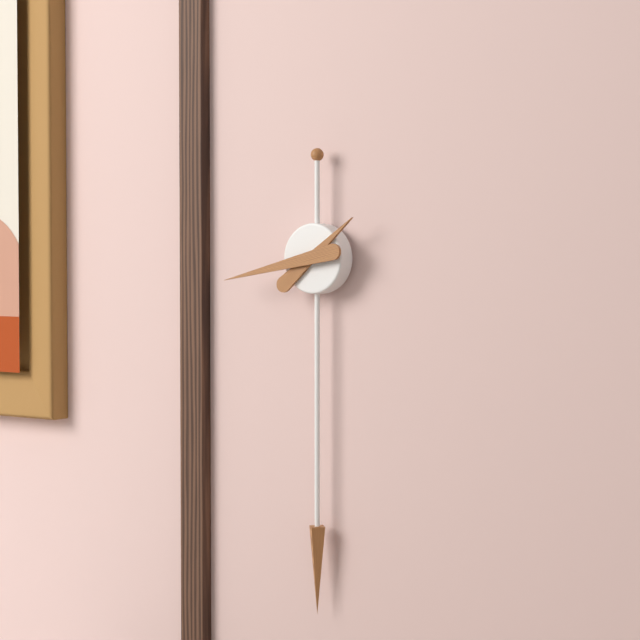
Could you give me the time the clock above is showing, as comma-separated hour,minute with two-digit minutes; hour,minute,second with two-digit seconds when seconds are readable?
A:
1,43
